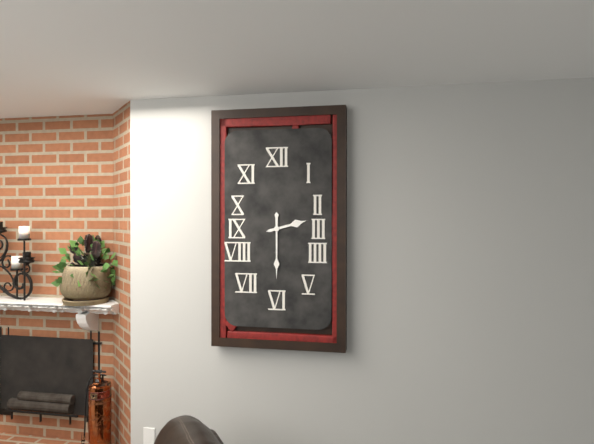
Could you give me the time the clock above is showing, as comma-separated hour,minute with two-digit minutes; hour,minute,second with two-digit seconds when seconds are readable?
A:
2,30
